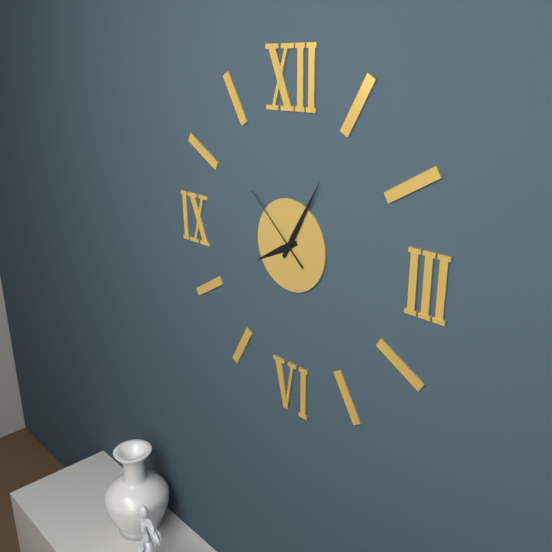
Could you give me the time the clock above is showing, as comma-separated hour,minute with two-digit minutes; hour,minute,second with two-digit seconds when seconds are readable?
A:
8,05,52
